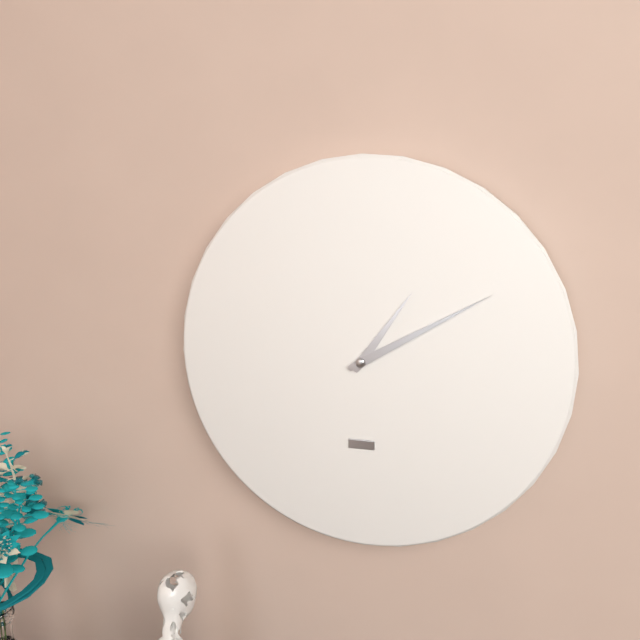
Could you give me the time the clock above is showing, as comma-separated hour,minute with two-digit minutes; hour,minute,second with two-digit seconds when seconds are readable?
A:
1,10
